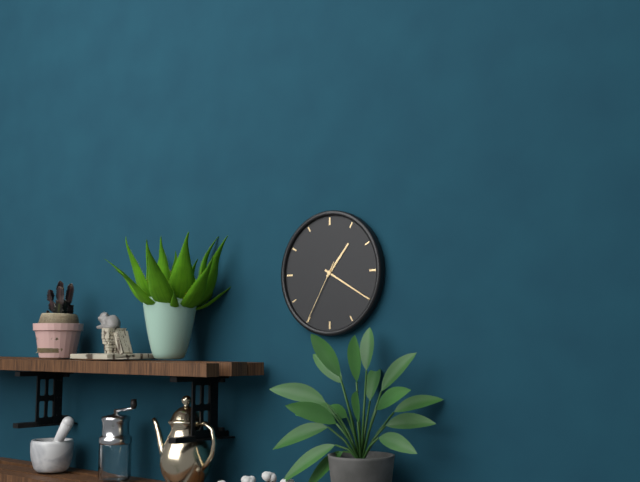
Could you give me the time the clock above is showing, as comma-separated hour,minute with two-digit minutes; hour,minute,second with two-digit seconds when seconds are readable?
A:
1,20,35
